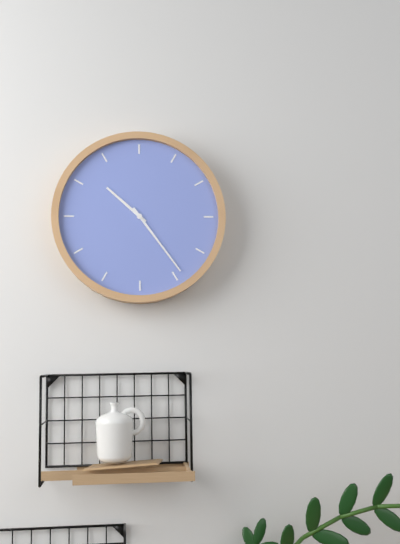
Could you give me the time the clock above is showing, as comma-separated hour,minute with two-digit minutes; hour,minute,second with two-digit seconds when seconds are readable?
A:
10,24
